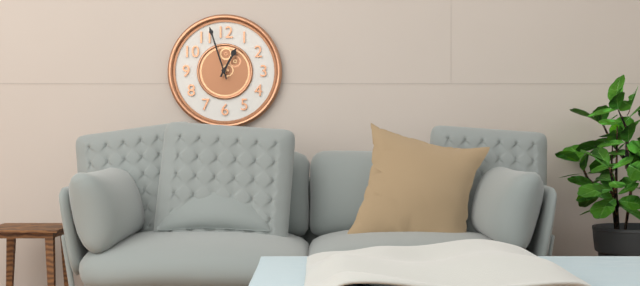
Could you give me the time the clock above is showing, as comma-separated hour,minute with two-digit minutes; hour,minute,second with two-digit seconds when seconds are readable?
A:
12,57
